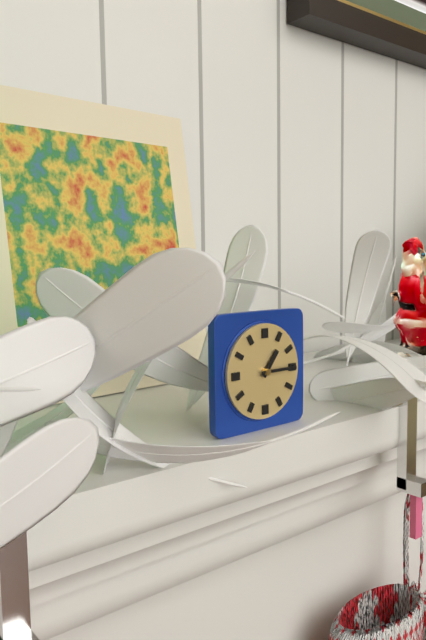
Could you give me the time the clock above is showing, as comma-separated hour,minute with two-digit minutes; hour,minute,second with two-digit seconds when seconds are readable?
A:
1,15
